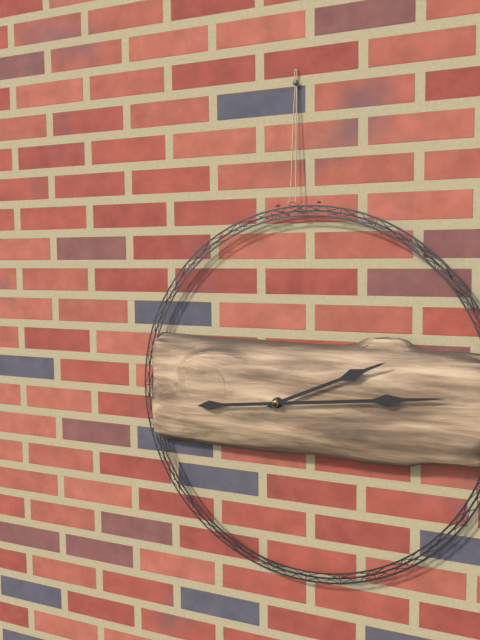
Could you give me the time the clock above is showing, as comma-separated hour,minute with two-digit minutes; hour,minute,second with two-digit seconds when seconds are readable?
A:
2,14
